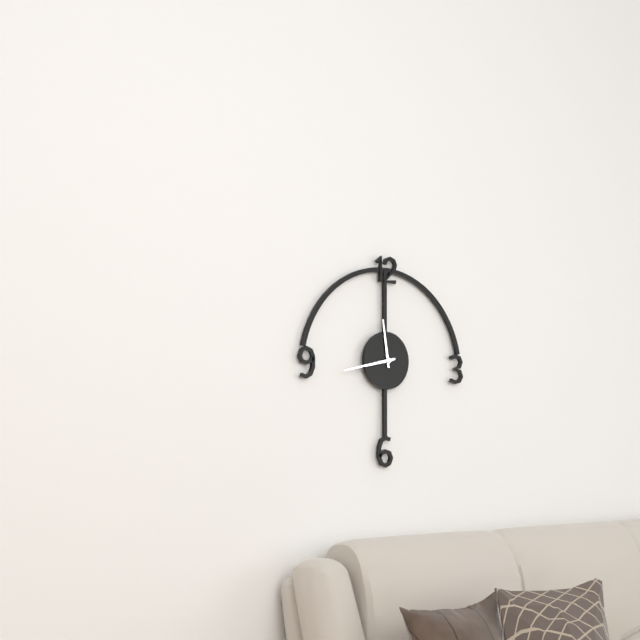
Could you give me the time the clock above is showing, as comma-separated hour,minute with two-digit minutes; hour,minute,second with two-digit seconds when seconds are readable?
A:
11,43
